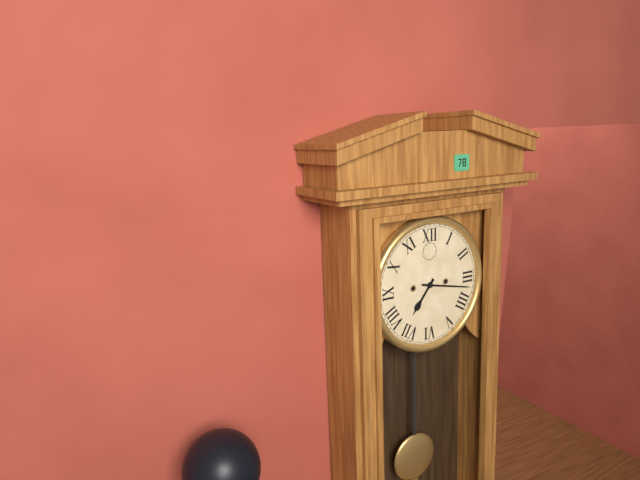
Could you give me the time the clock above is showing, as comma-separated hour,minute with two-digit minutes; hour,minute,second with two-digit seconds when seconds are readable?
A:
7,17
